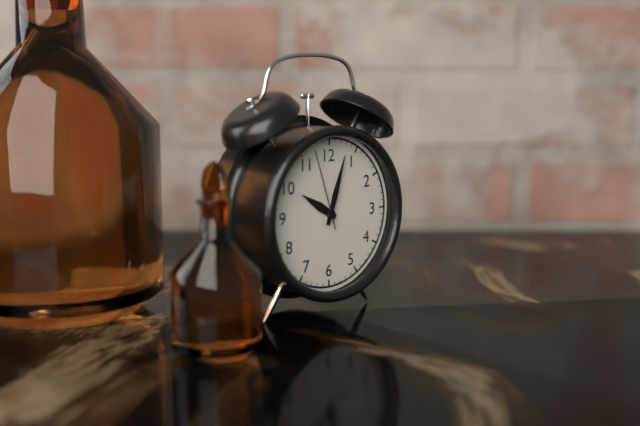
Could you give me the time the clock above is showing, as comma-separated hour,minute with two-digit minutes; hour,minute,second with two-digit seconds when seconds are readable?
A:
10,03,57
